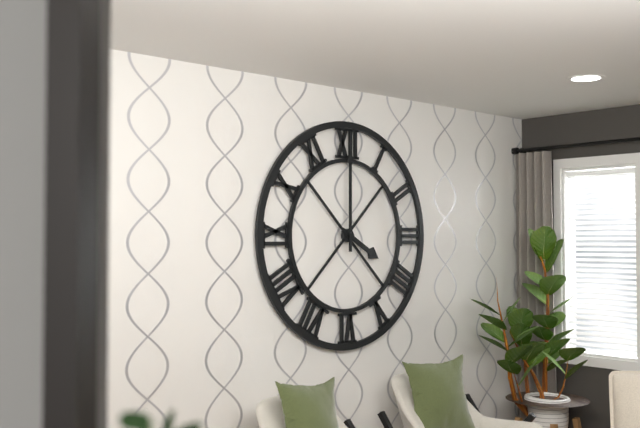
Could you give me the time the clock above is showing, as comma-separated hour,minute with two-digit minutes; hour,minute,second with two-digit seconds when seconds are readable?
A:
4,00
